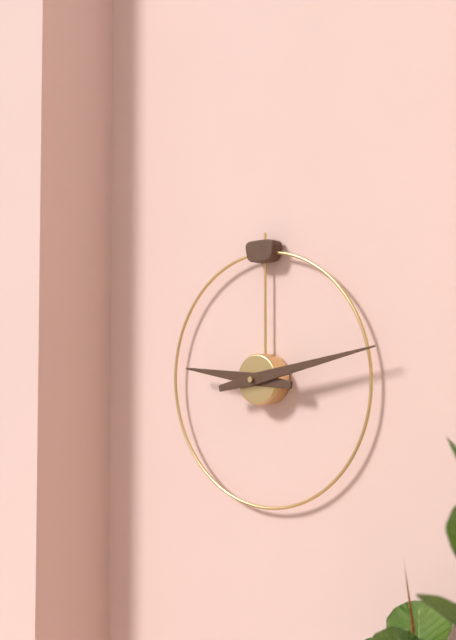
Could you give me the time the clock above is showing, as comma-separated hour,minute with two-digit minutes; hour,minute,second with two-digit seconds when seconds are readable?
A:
9,13
